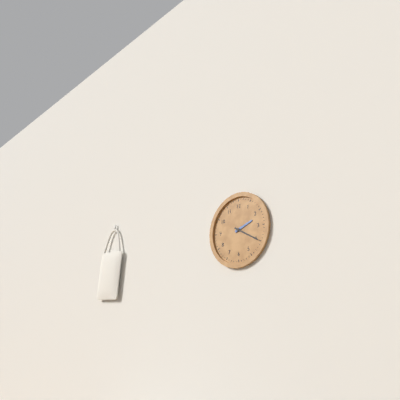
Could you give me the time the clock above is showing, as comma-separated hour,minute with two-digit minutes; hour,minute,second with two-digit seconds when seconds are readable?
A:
2,20
